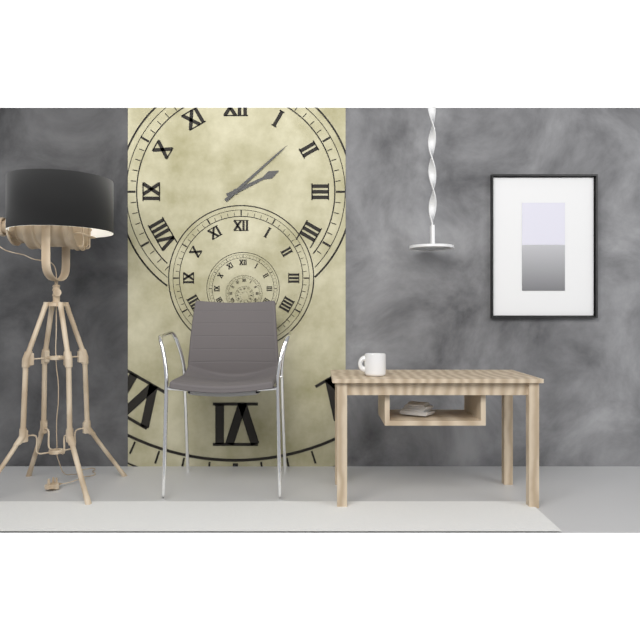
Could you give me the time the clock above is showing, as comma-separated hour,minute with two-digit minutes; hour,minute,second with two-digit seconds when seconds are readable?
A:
2,08
